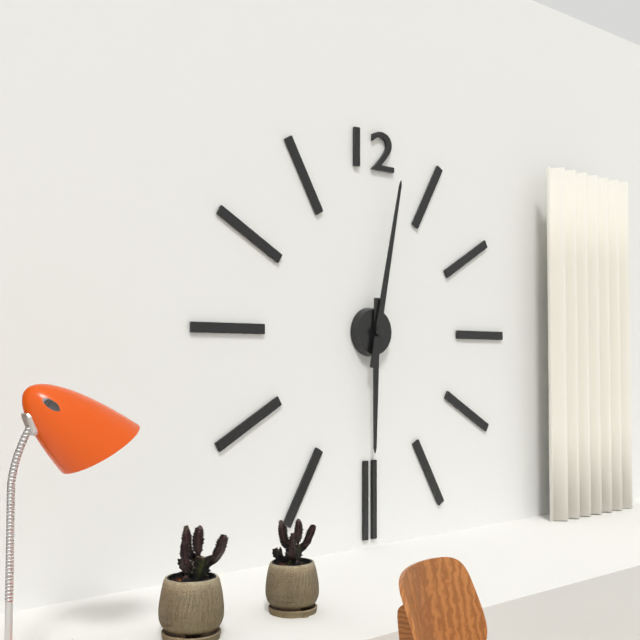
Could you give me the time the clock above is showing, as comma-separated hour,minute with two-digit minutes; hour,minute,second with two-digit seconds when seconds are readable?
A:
6,02
